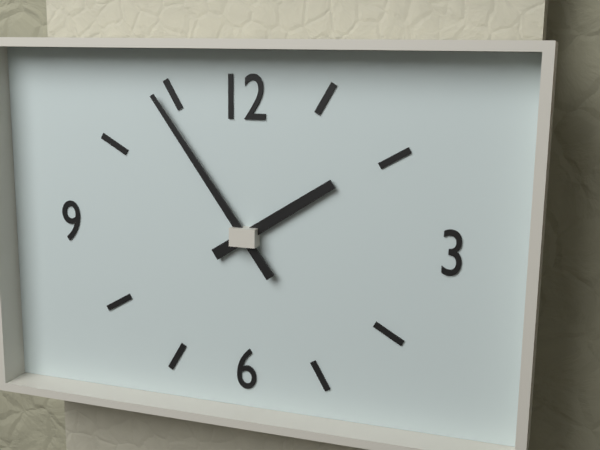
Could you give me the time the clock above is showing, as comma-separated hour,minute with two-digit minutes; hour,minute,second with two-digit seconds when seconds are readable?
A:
1,54
